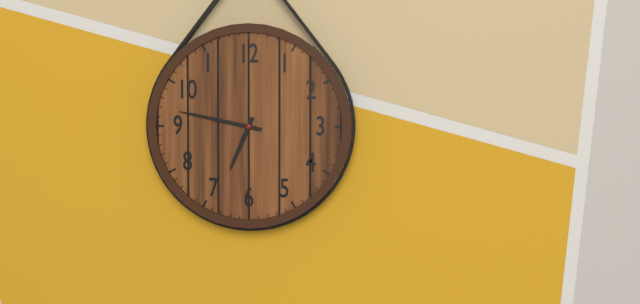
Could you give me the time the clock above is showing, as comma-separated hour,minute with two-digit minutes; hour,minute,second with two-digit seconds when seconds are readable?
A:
6,47
